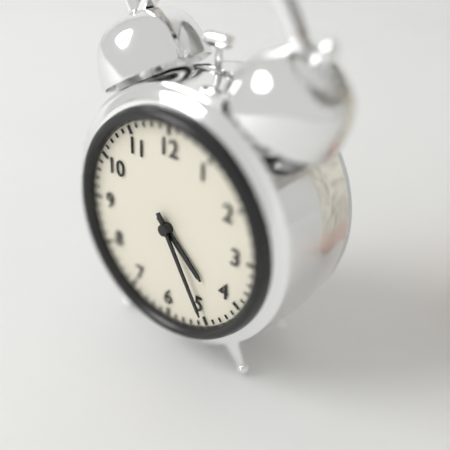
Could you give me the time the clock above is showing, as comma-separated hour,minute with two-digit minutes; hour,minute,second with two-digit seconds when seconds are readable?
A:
4,25
